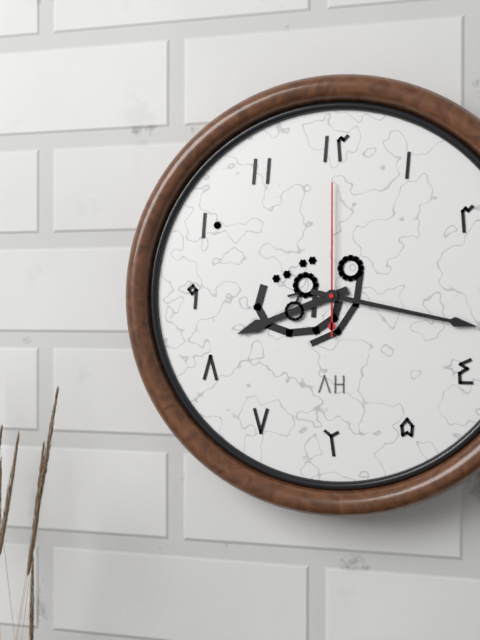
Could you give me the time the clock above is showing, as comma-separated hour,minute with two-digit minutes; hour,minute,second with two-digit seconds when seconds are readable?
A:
8,17,00
